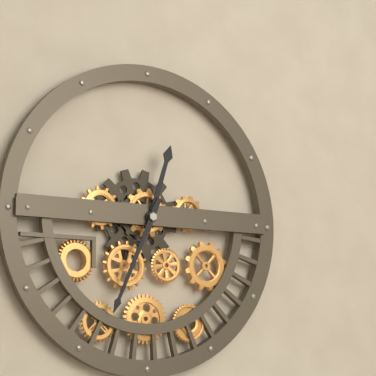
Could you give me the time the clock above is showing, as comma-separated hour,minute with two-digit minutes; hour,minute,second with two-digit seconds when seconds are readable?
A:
12,34
